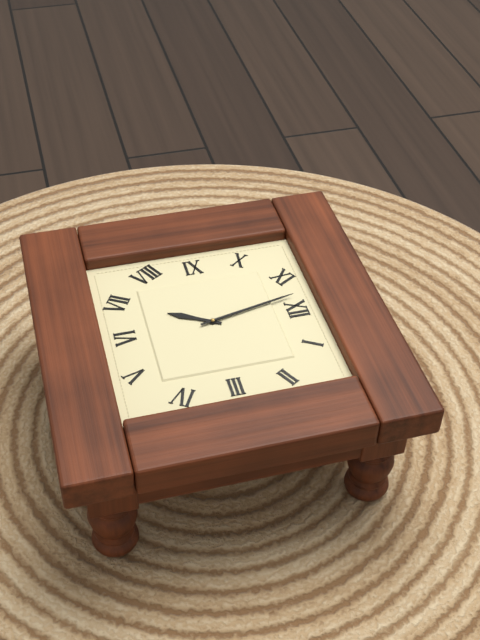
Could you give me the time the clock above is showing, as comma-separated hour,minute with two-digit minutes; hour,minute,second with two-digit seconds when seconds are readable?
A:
6,58
